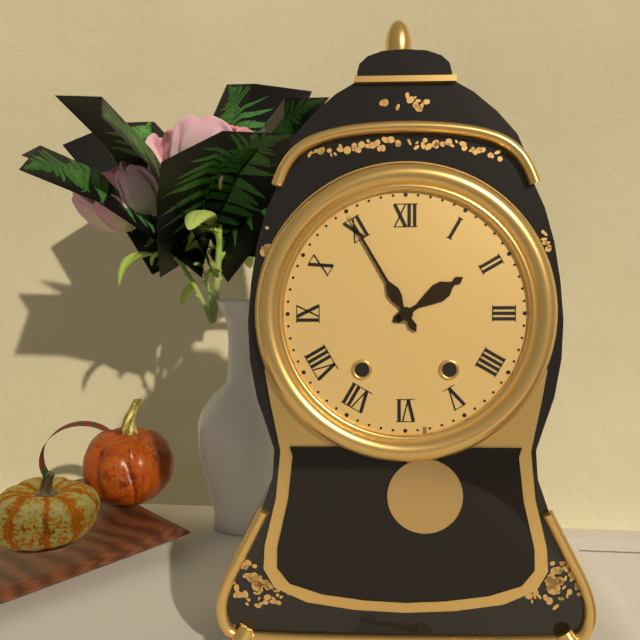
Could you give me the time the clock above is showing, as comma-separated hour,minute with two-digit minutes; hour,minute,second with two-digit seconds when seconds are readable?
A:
1,55
